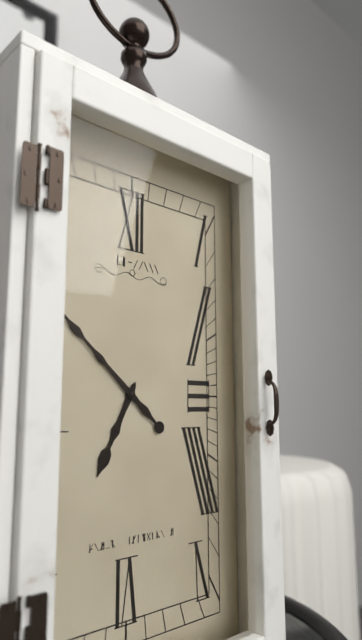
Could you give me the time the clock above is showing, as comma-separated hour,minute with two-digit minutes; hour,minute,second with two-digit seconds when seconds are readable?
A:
6,52
